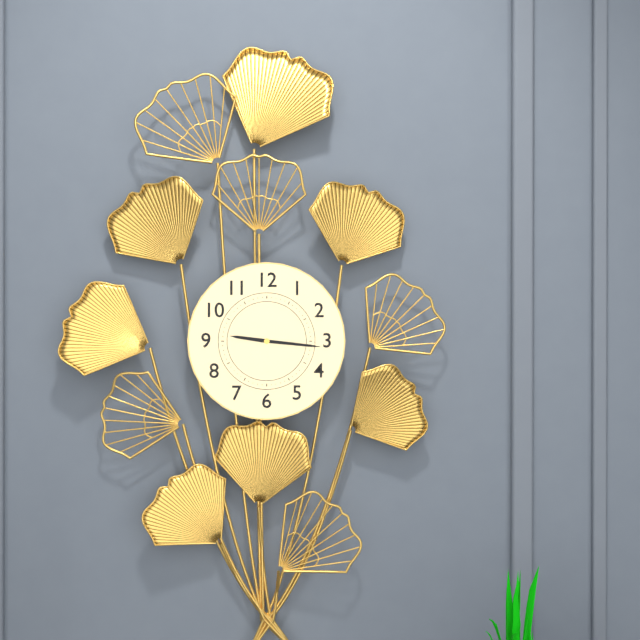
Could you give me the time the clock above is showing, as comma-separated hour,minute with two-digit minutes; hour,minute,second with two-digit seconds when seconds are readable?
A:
9,16
